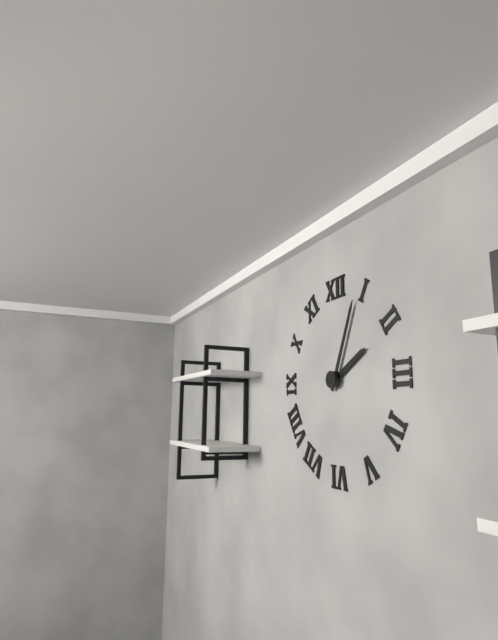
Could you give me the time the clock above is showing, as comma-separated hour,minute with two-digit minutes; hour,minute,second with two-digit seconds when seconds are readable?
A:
2,04
